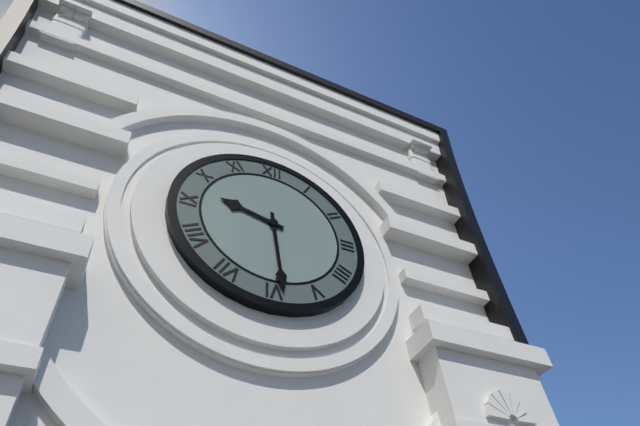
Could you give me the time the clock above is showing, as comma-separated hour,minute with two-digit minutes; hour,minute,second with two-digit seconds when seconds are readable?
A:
9,29
